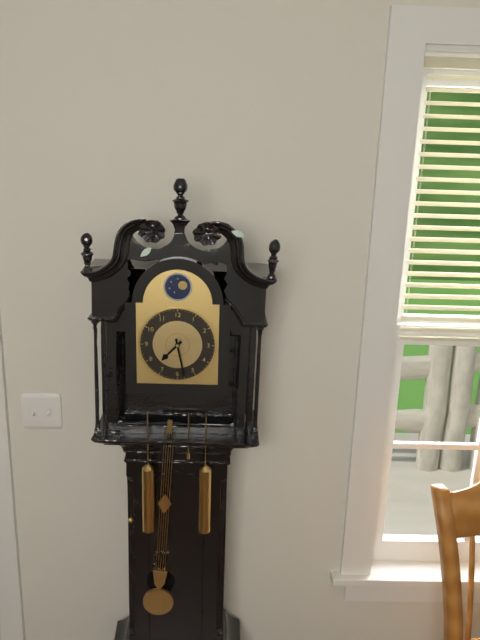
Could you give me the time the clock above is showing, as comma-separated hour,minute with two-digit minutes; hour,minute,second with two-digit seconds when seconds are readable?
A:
7,28
